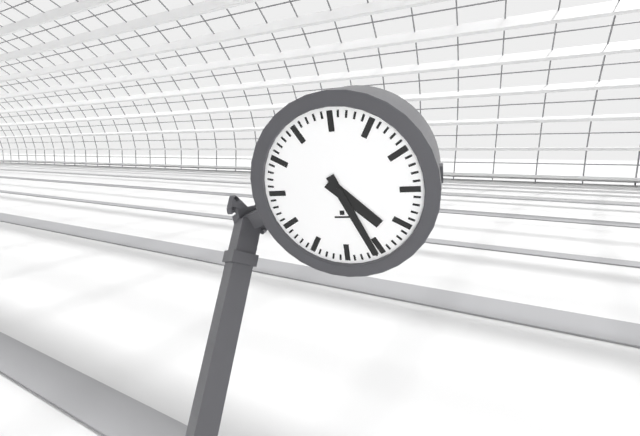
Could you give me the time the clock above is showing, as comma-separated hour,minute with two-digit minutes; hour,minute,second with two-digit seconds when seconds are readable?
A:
4,26
